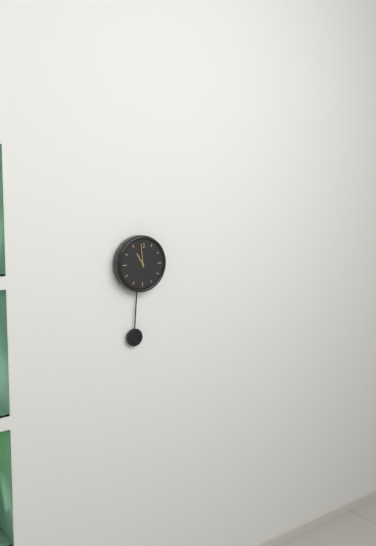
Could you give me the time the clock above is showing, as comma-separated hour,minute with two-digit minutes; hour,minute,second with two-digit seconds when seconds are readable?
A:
10,59
